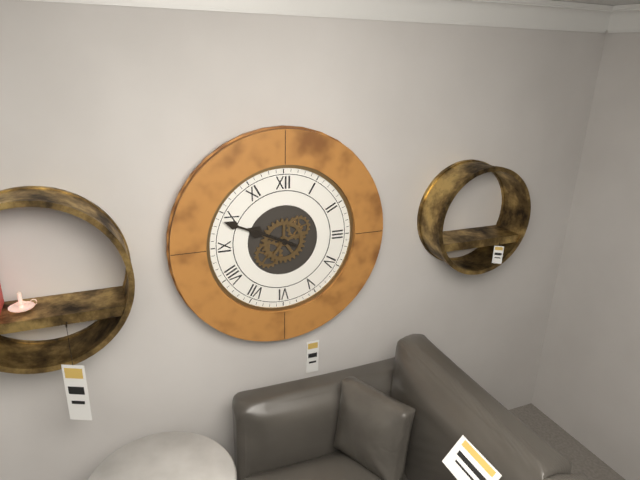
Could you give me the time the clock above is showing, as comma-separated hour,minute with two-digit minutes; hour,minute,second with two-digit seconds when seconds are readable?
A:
9,49
